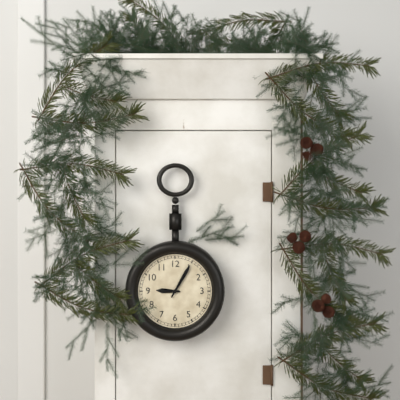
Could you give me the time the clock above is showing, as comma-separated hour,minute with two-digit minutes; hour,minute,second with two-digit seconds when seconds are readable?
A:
9,05
